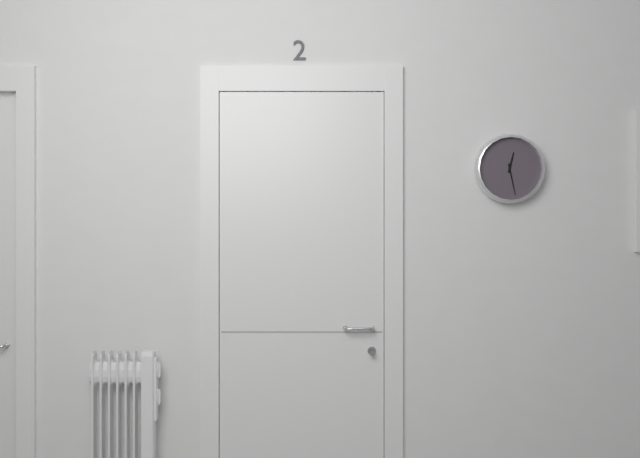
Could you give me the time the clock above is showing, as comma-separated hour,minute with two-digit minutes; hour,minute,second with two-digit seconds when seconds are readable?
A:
12,28
